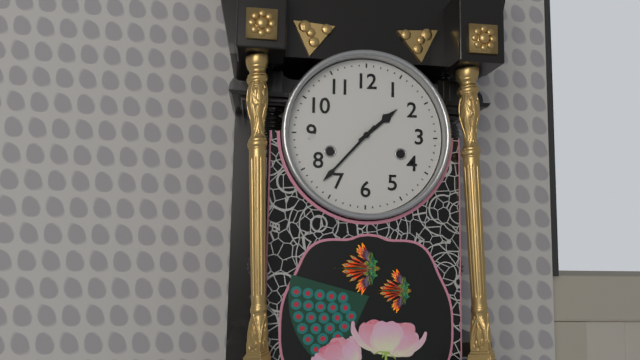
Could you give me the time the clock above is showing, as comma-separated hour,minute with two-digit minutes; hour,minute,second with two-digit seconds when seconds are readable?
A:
1,37
